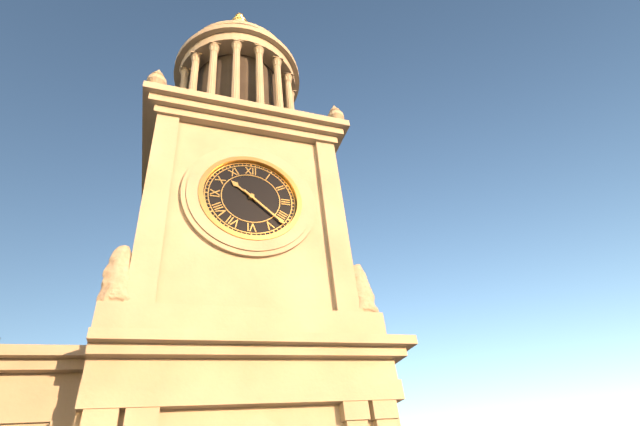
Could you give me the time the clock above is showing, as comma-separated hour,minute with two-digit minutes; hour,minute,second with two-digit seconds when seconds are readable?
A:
10,22
